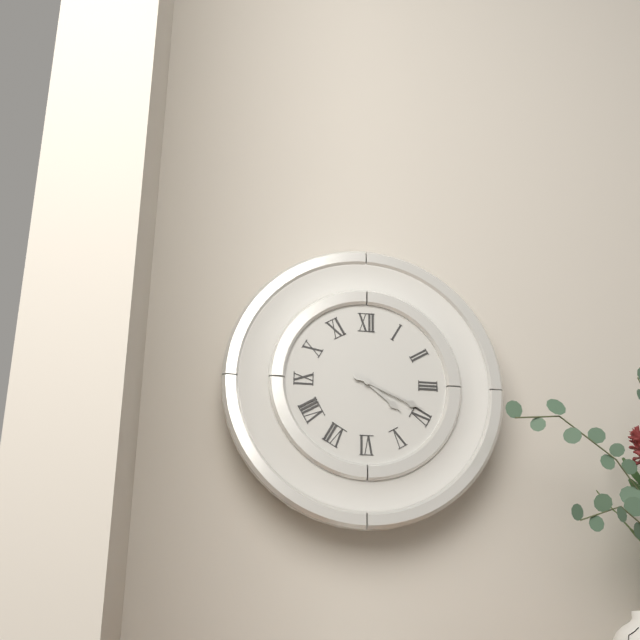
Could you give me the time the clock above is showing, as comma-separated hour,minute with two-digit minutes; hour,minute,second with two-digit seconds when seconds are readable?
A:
4,19
